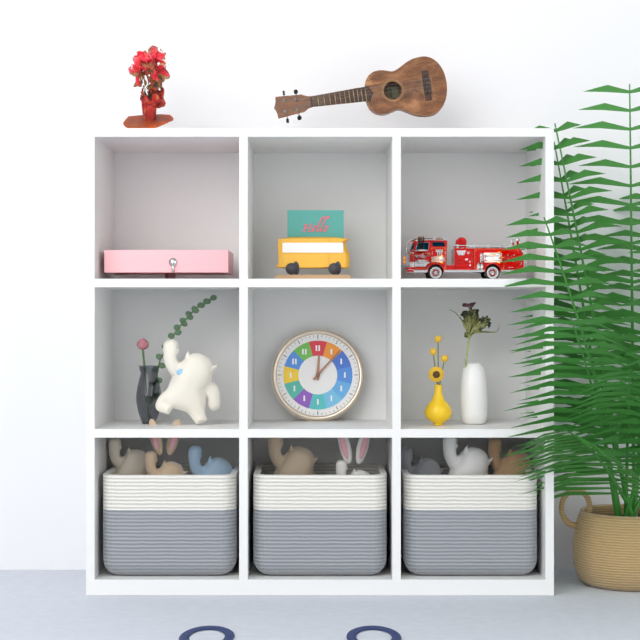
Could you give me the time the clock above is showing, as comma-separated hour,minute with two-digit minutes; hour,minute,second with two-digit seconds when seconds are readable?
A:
12,07
